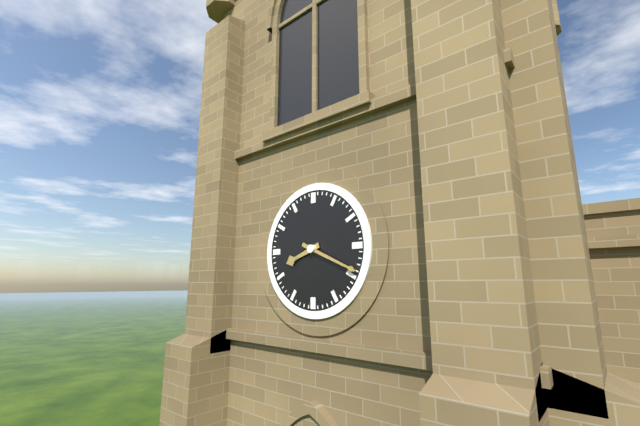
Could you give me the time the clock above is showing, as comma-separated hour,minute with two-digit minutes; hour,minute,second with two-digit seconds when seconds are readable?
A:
8,19
